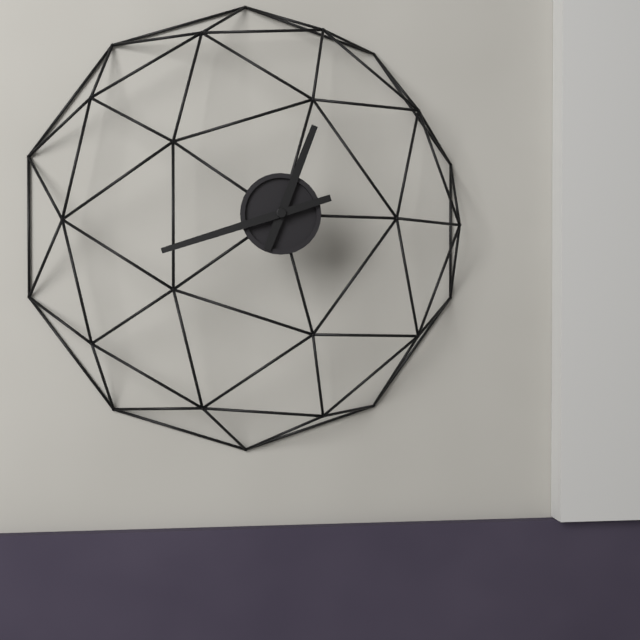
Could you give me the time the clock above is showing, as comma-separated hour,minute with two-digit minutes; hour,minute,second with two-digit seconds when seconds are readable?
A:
12,42
